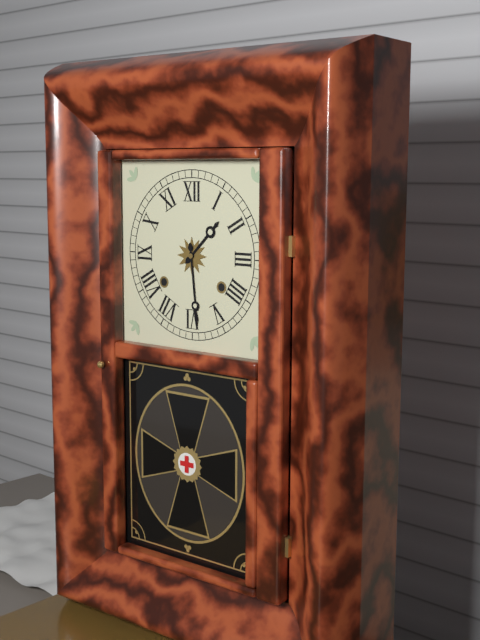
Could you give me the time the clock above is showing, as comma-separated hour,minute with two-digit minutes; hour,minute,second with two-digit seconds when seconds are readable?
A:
1,29
